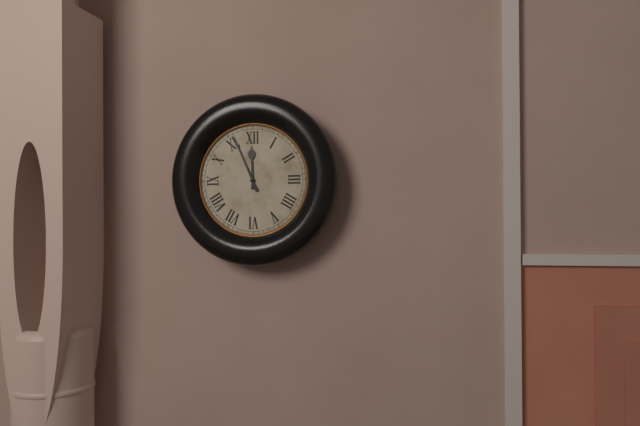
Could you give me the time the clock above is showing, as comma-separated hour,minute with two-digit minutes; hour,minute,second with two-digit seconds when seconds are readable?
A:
11,56
